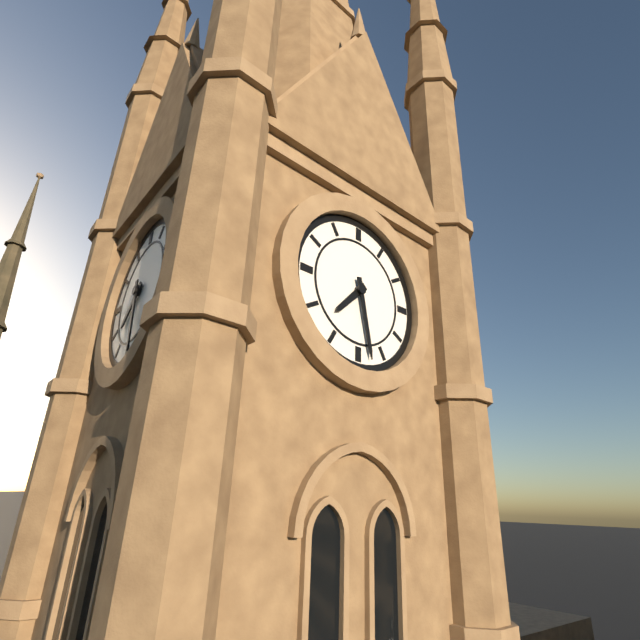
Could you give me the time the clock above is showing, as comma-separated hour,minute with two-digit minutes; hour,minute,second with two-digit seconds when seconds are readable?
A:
7,28
